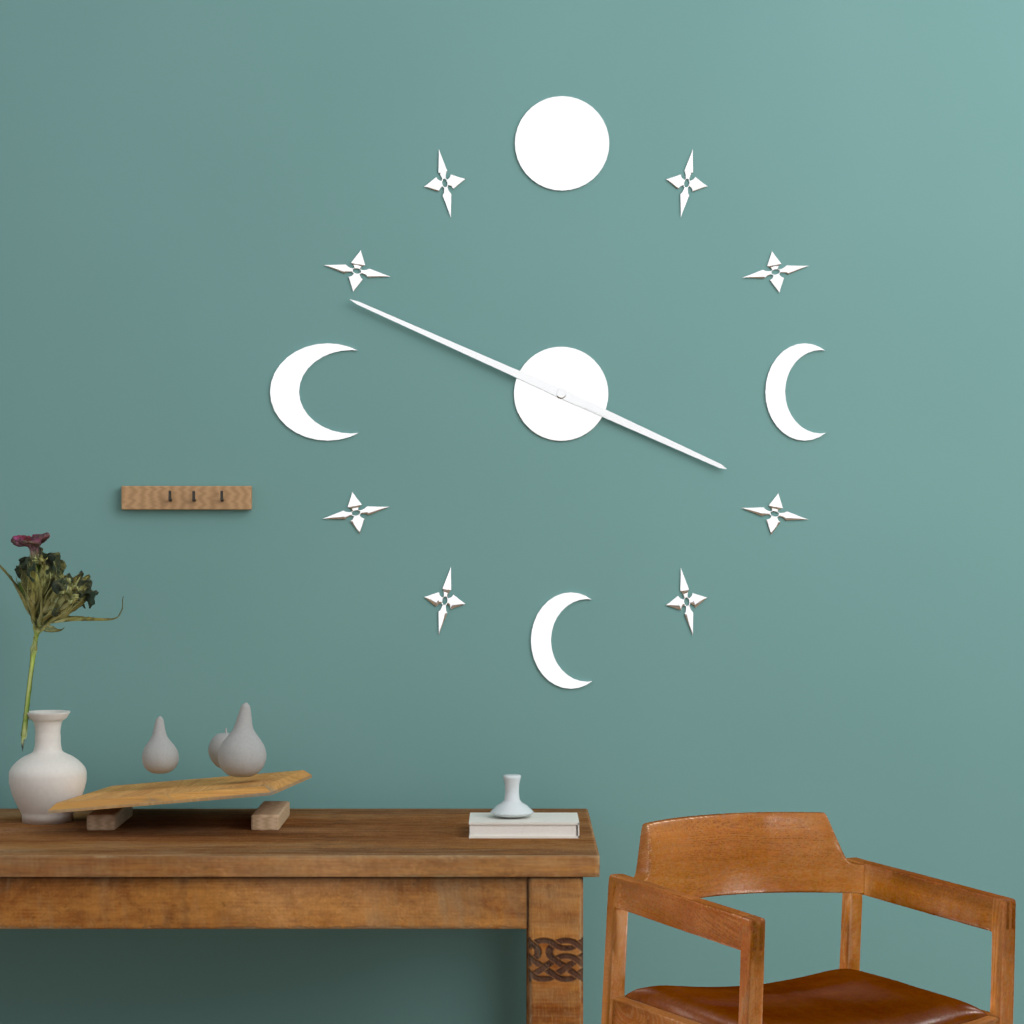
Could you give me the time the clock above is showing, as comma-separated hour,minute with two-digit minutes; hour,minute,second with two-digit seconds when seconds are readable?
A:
3,49
